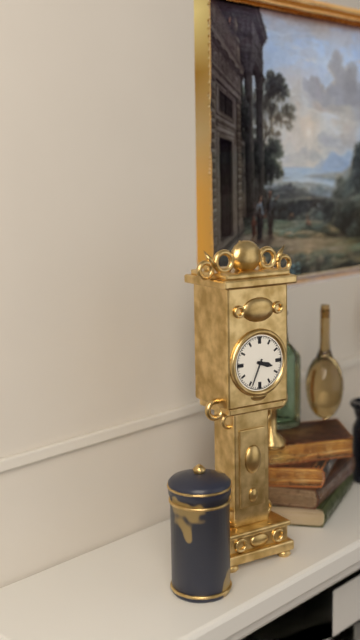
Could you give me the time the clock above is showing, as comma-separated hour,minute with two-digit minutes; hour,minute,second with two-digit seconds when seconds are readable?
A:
3,34
